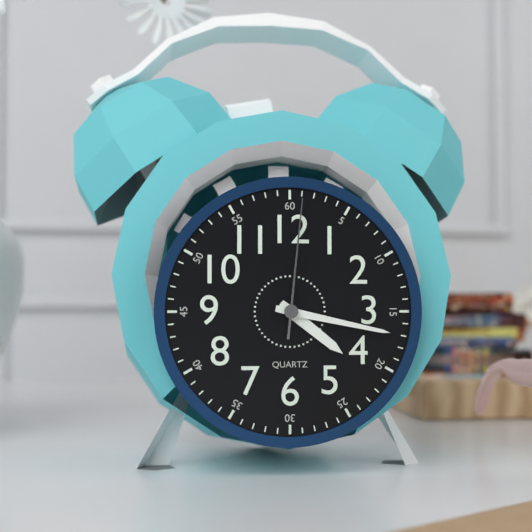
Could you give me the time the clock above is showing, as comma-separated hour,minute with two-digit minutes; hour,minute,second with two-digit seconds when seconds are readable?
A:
4,17,01
